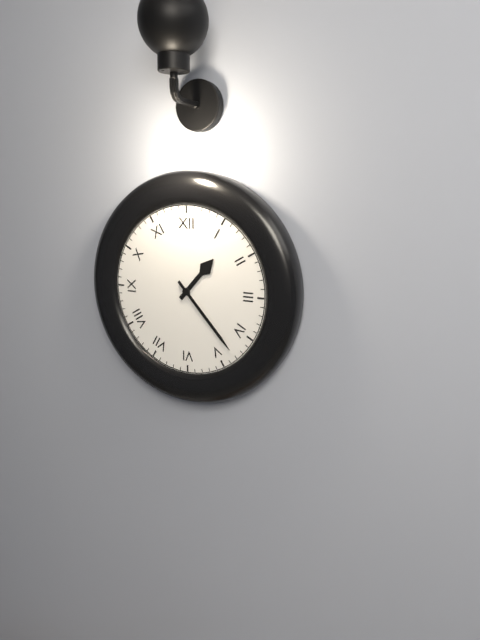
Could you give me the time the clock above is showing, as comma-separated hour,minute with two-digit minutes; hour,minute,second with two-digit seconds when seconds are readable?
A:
1,23
